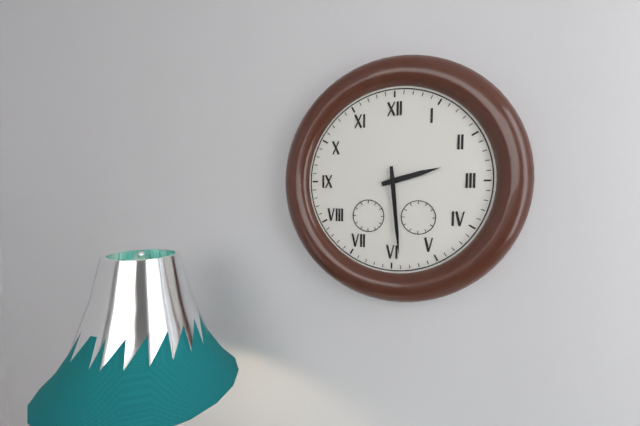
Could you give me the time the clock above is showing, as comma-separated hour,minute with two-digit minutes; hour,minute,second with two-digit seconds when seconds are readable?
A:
2,29
